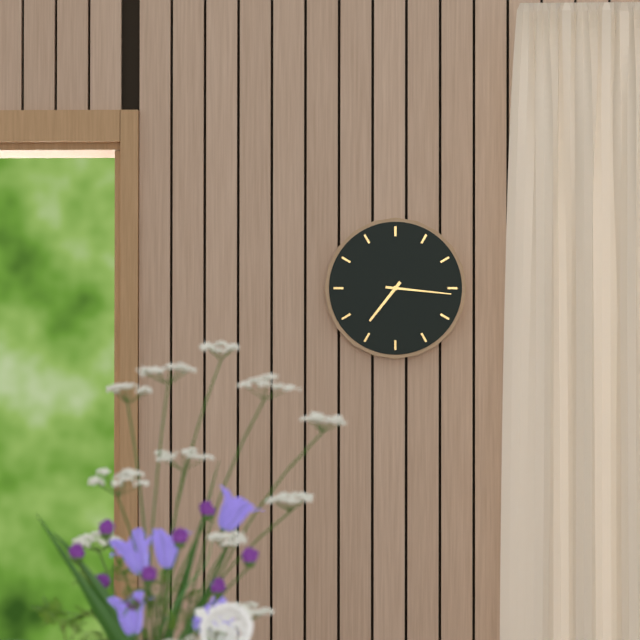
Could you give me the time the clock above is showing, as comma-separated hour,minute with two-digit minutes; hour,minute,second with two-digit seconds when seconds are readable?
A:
7,16
